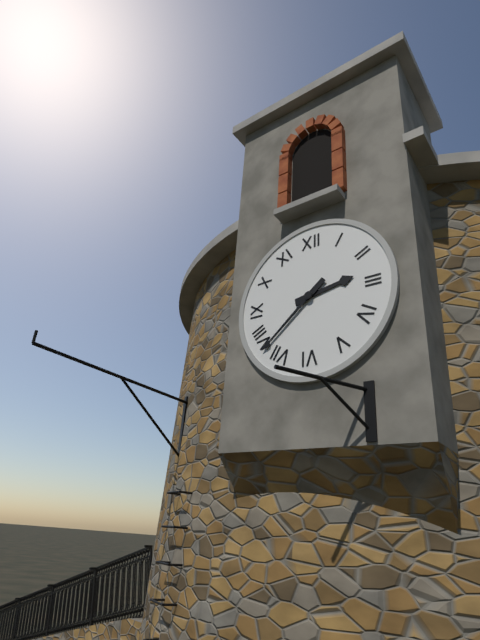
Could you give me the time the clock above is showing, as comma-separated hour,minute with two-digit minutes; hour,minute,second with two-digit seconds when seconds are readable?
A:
2,38
